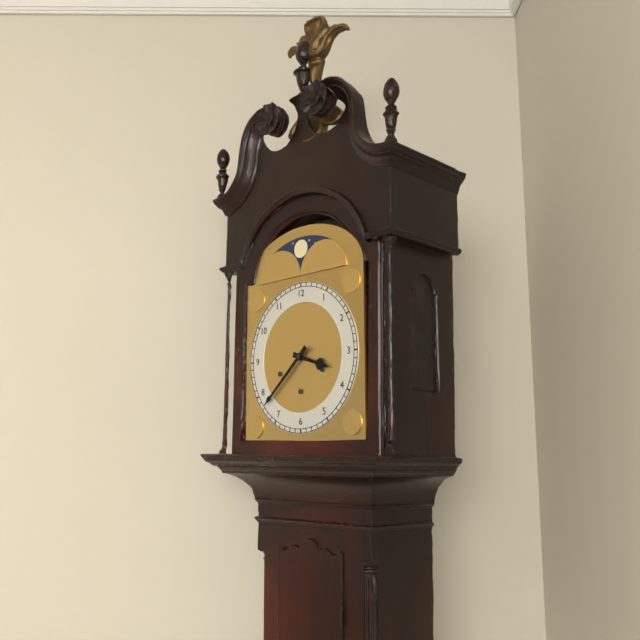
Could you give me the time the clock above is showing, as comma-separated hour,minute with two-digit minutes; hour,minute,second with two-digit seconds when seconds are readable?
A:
3,38
